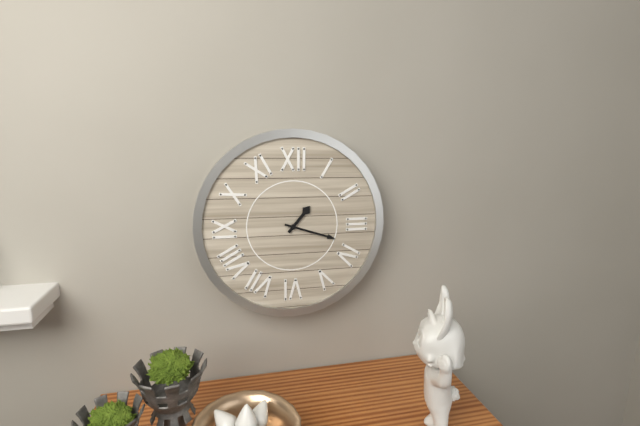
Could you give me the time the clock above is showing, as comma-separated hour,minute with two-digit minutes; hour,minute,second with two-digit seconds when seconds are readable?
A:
1,18
